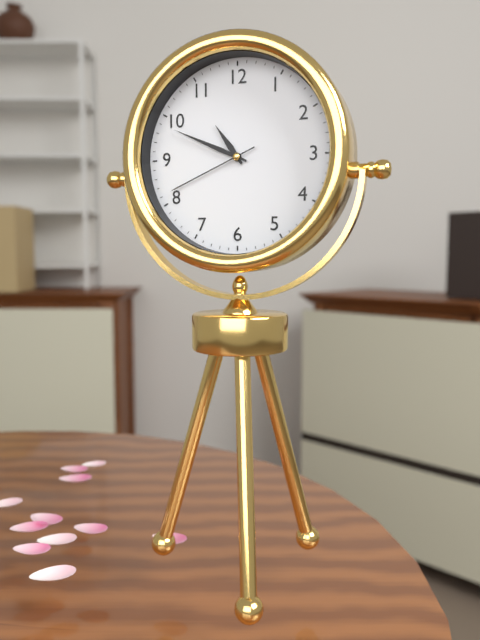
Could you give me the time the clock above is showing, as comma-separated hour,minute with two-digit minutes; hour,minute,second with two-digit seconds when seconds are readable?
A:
10,49,41
